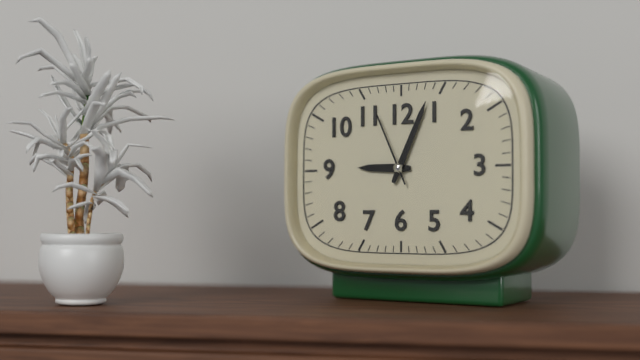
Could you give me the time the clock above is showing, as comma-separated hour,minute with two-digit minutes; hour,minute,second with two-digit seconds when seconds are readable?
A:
9,04,56
